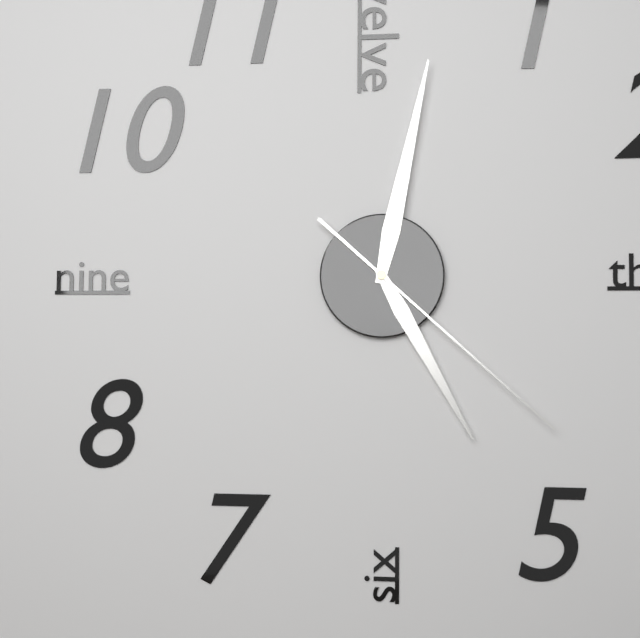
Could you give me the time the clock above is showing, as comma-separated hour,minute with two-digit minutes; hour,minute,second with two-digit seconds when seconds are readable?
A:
5,02,22
